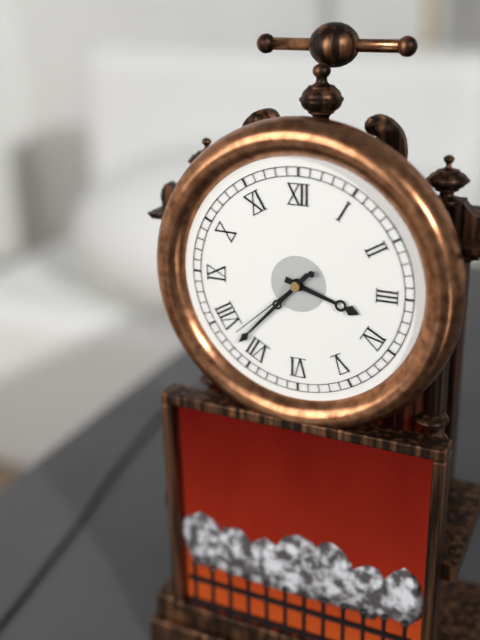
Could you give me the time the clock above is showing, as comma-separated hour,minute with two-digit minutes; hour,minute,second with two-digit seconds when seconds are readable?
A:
3,37,38
